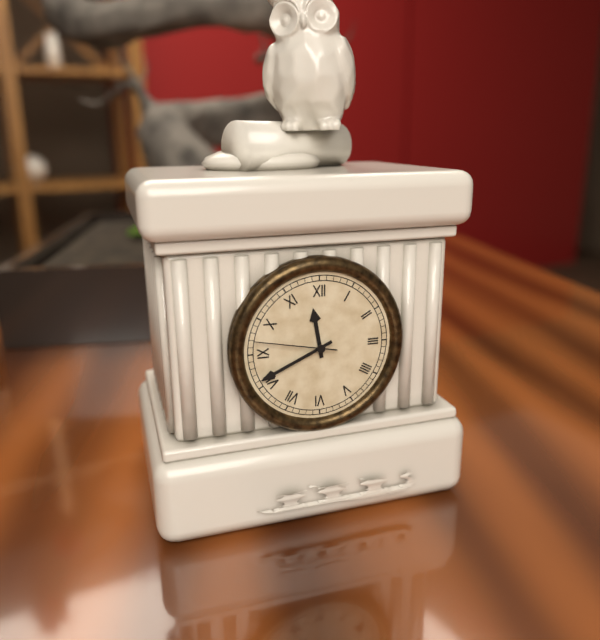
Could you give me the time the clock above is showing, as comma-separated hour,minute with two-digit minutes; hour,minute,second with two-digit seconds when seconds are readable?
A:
11,41,47
